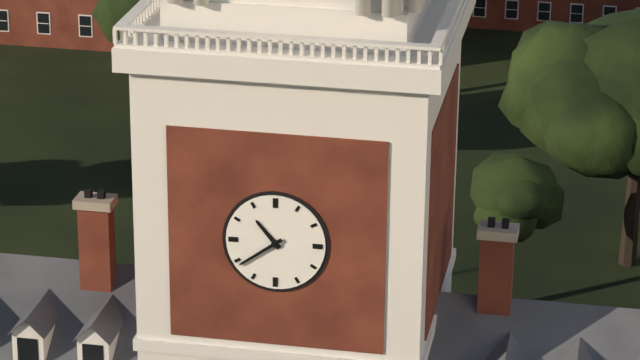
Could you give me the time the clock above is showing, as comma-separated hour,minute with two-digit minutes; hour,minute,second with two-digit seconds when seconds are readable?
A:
10,39
